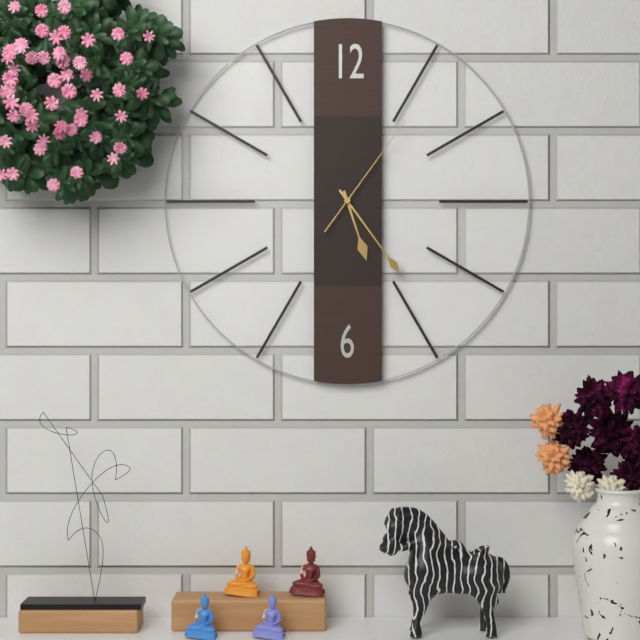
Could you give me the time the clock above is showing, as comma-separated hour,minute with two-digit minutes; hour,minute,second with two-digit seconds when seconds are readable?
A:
5,24,06
